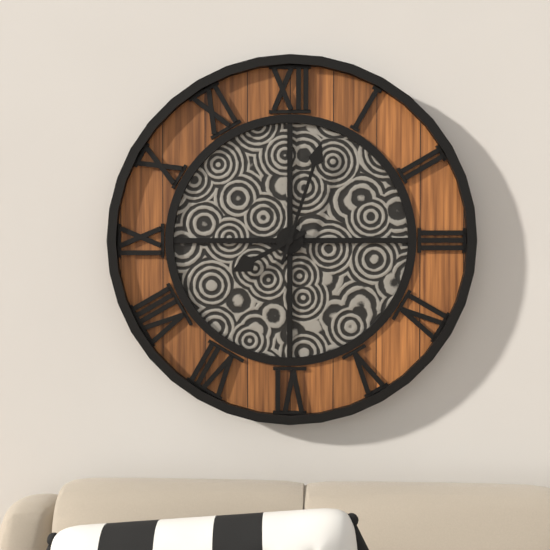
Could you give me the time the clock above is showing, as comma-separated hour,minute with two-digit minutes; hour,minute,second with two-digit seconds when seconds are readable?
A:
8,03
